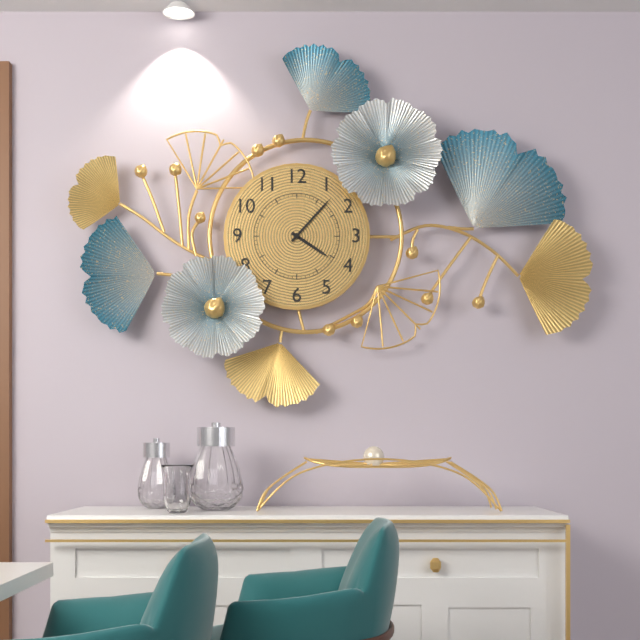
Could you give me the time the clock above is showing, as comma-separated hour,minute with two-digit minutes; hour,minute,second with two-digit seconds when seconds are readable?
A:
4,07
